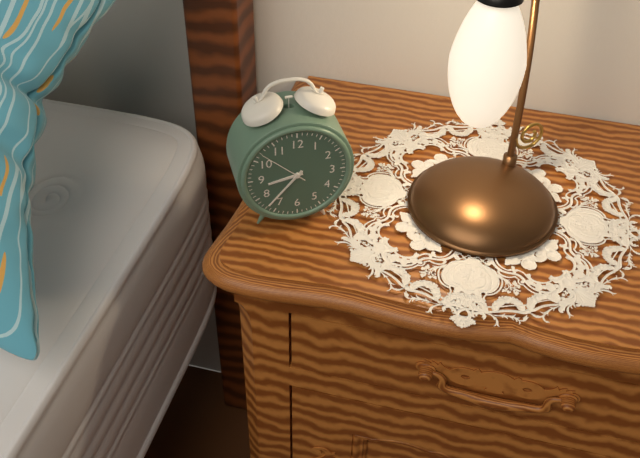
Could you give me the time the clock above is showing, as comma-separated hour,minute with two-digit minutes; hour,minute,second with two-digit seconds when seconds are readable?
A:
8,37,52
